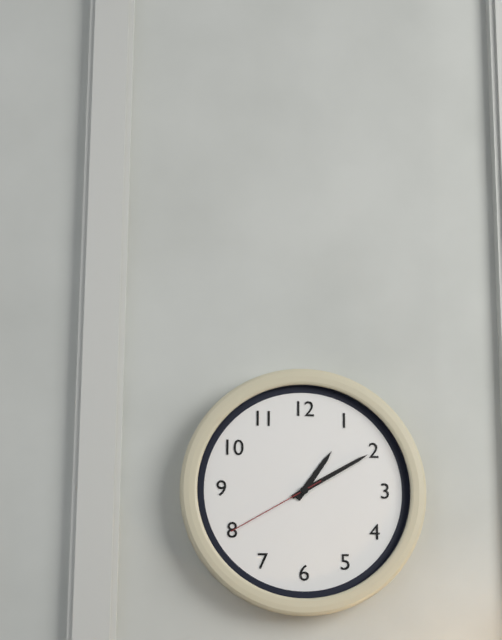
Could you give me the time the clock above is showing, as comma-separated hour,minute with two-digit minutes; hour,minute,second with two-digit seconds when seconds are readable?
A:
1,10,40
